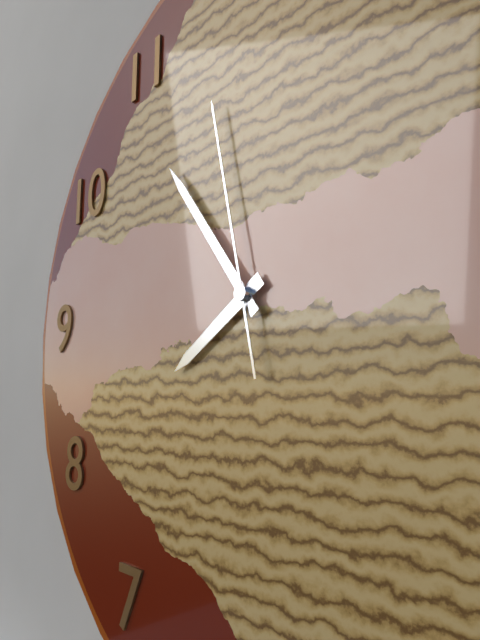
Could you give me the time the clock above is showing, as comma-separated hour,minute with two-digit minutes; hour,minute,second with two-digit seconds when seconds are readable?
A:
7,54,58
